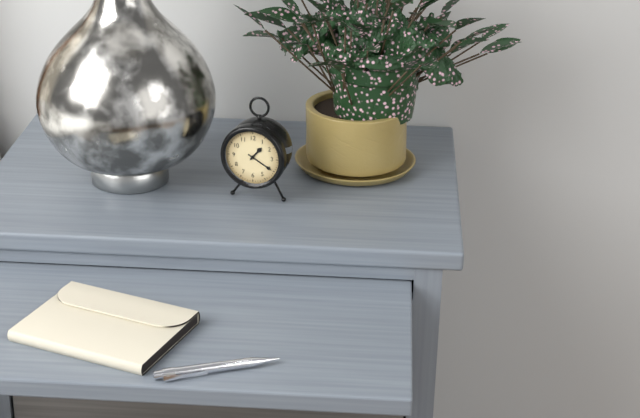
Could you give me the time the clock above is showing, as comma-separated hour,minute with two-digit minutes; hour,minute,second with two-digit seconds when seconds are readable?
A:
1,20
